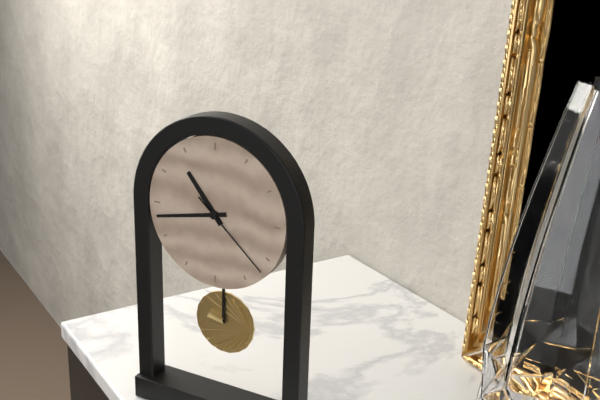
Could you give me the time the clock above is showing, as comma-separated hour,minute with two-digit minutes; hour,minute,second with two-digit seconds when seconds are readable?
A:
10,43,22
